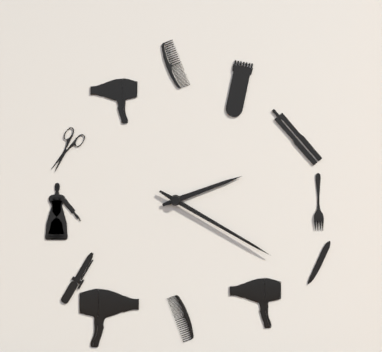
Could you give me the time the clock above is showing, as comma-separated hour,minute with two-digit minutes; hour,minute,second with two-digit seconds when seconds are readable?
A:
2,20
